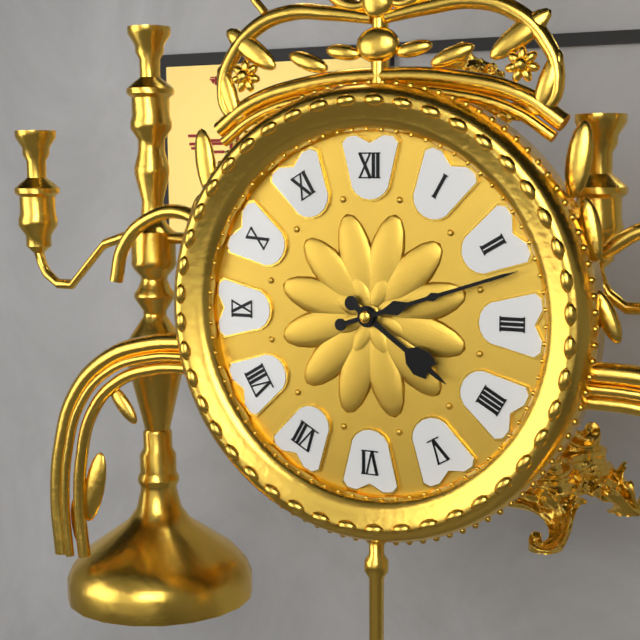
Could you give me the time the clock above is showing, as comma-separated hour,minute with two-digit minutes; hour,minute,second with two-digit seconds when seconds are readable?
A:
4,12
